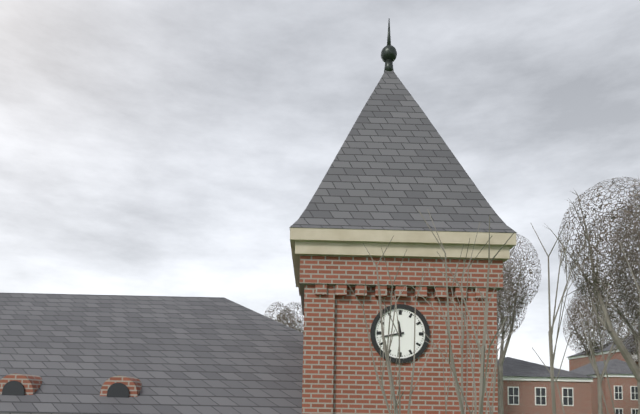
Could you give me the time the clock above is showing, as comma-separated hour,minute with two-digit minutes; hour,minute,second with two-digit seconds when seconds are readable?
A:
11,43
